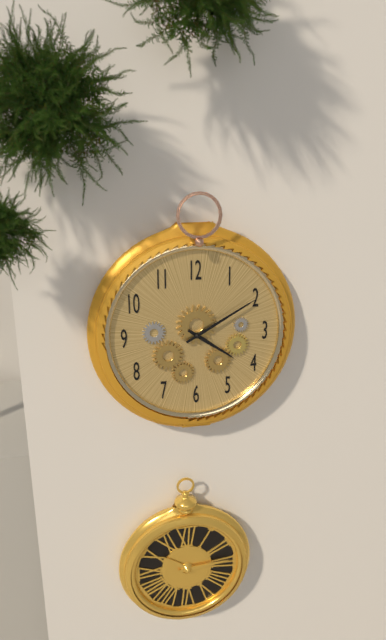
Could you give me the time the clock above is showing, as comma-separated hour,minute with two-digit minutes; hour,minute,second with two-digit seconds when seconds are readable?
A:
4,10
